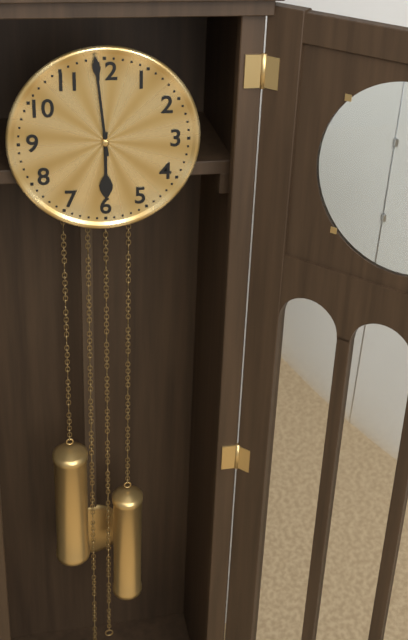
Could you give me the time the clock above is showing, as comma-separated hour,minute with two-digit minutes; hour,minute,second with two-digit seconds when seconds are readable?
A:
5,59
